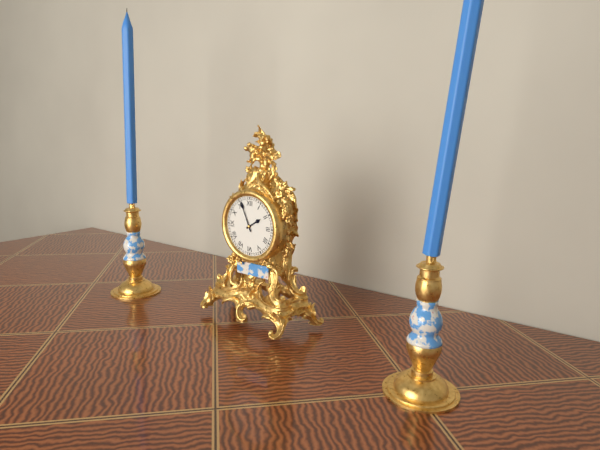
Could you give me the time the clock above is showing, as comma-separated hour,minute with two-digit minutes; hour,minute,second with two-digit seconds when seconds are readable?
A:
1,56
